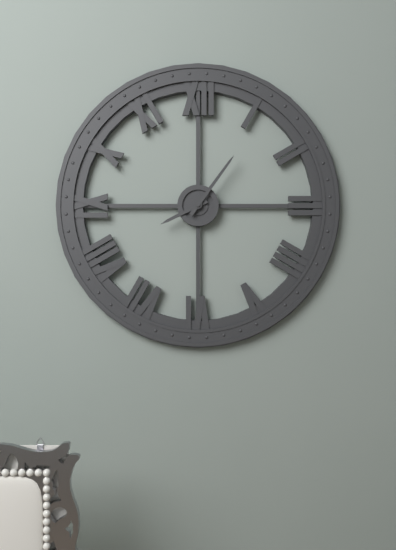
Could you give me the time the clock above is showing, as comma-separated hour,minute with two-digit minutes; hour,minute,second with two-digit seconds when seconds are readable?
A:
8,06
